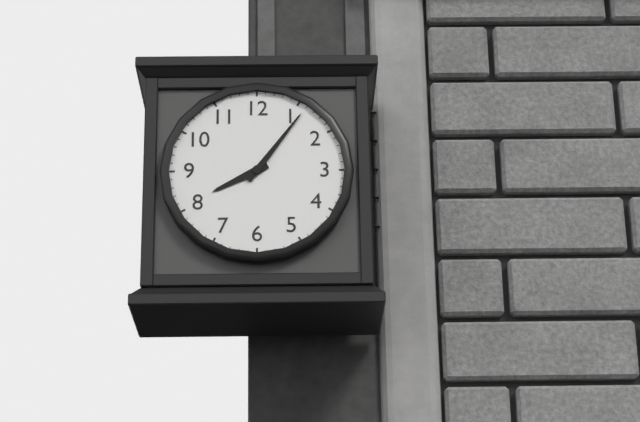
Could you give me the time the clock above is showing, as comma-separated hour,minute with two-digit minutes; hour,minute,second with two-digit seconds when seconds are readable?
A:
8,06
